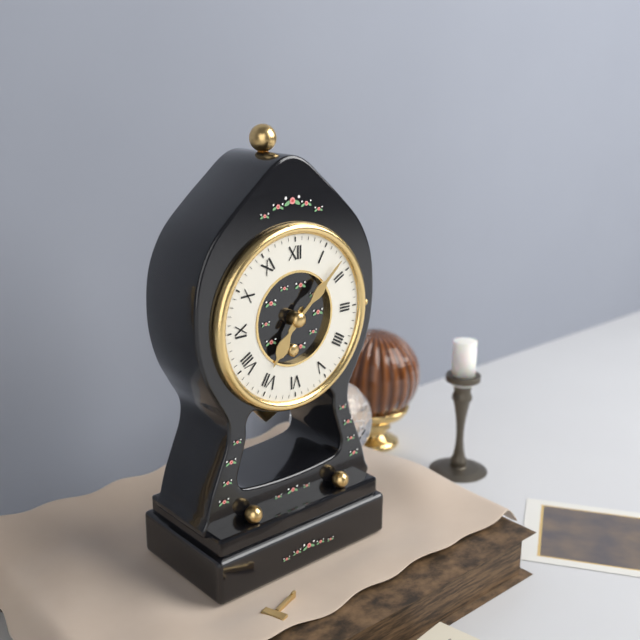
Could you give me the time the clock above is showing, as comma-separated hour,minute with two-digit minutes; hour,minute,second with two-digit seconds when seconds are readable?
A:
7,08
